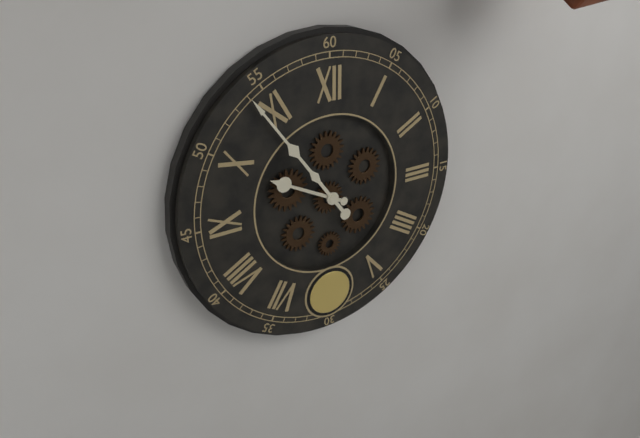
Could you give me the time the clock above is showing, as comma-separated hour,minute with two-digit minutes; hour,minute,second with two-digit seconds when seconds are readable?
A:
9,54
